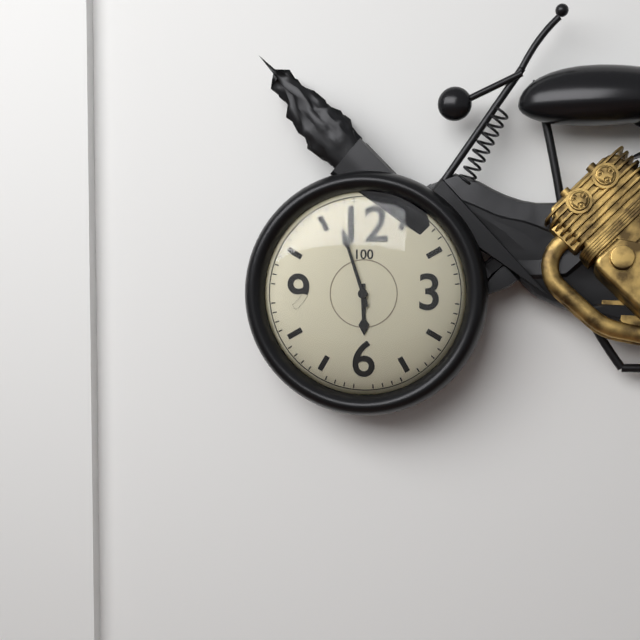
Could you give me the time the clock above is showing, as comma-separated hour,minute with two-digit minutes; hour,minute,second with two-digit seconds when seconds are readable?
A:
5,57
